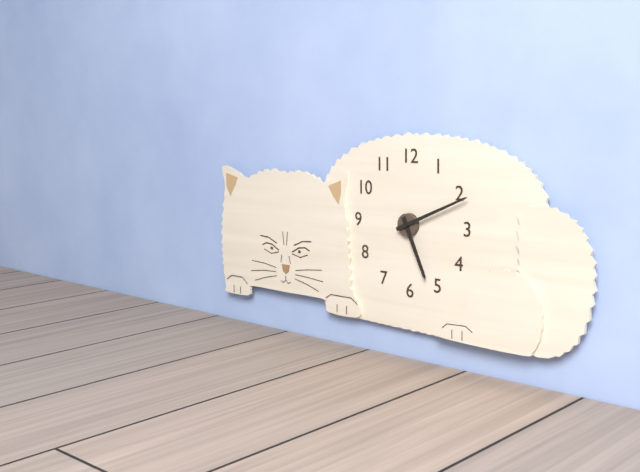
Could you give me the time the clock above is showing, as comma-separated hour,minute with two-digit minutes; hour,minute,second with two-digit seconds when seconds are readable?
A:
5,11
